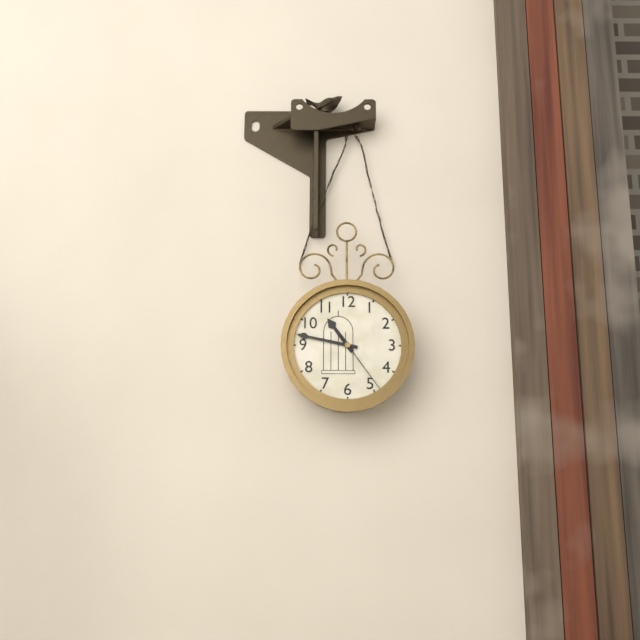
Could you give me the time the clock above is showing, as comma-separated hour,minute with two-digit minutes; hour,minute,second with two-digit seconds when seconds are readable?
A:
10,47,24
